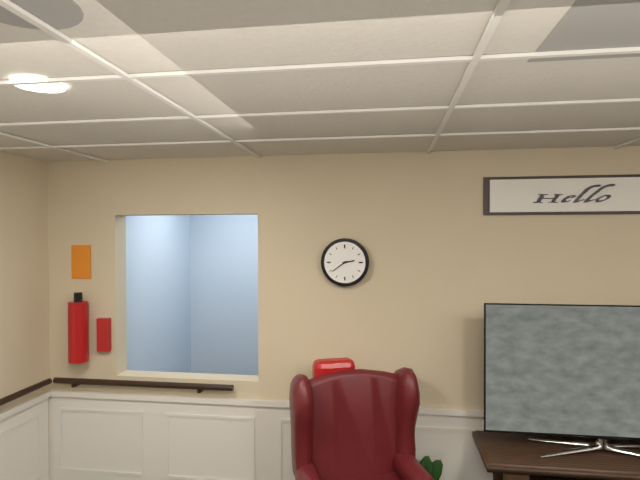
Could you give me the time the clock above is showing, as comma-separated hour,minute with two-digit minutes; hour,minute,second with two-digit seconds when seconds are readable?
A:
2,39
